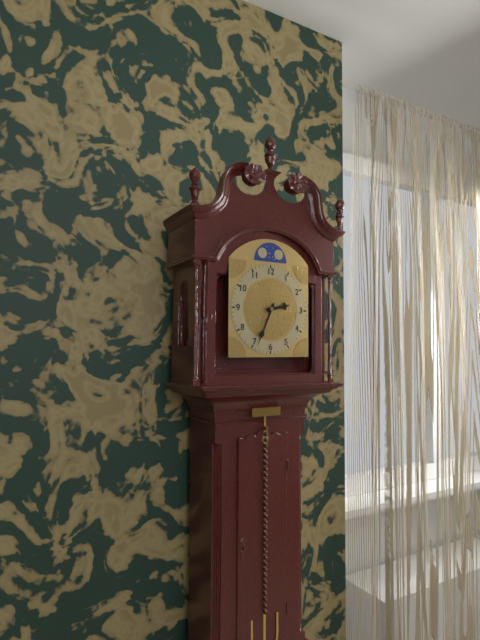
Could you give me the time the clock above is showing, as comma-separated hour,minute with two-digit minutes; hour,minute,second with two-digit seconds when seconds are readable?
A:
2,34
